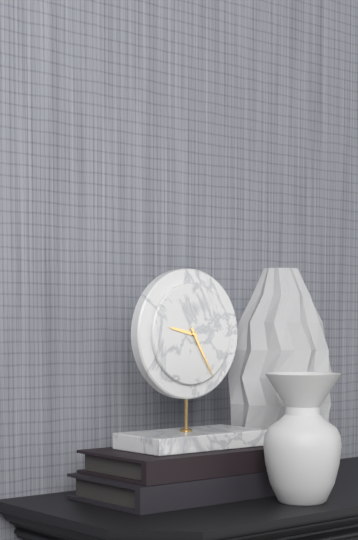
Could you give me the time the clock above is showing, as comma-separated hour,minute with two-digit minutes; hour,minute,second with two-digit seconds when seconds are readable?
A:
9,25
